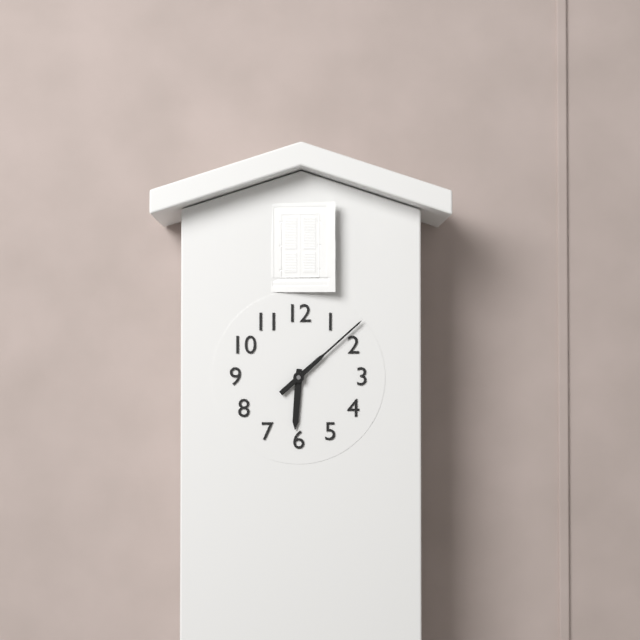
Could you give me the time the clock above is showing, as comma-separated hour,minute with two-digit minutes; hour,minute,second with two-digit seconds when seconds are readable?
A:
6,08
